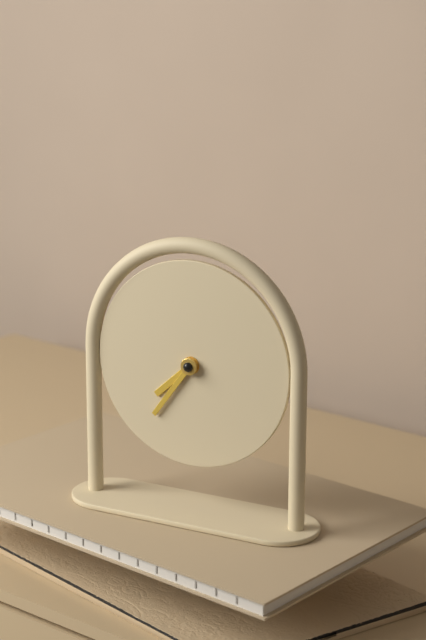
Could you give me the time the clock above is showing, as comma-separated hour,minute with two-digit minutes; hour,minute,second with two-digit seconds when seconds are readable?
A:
7,36
